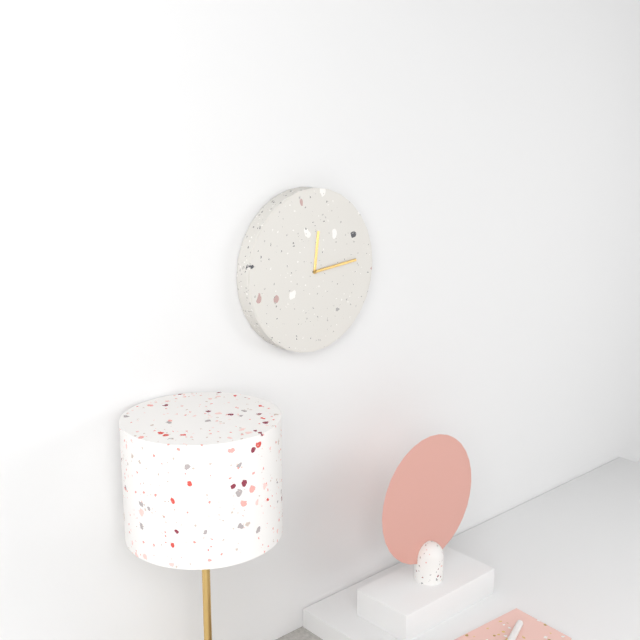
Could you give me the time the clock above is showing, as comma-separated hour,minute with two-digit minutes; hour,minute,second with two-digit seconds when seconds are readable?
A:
12,14
